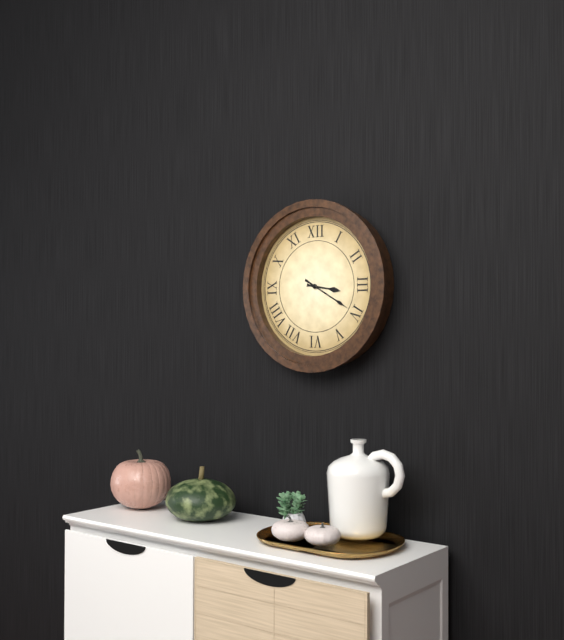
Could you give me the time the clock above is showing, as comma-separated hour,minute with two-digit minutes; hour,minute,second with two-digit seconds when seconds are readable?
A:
3,20
